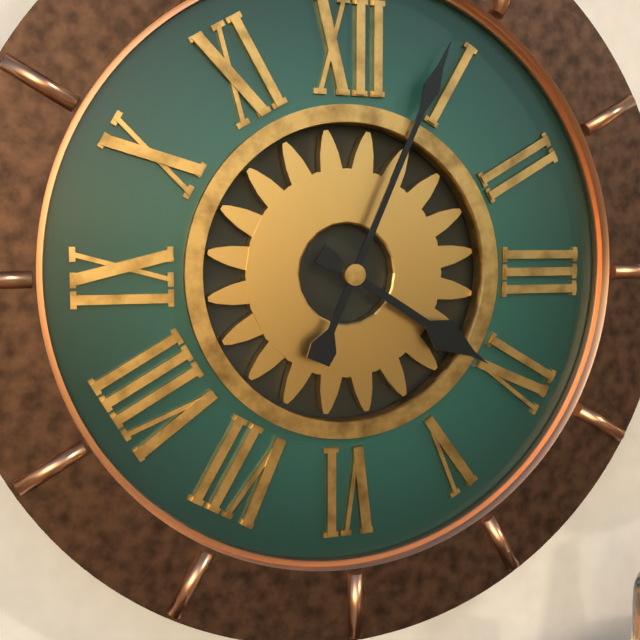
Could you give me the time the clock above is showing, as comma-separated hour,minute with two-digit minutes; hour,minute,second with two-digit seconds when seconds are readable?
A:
4,04
